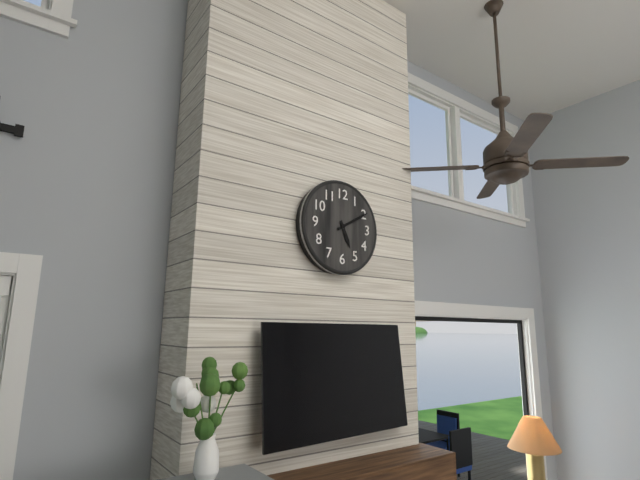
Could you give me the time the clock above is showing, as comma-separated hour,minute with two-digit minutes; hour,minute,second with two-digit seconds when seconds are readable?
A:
5,10
